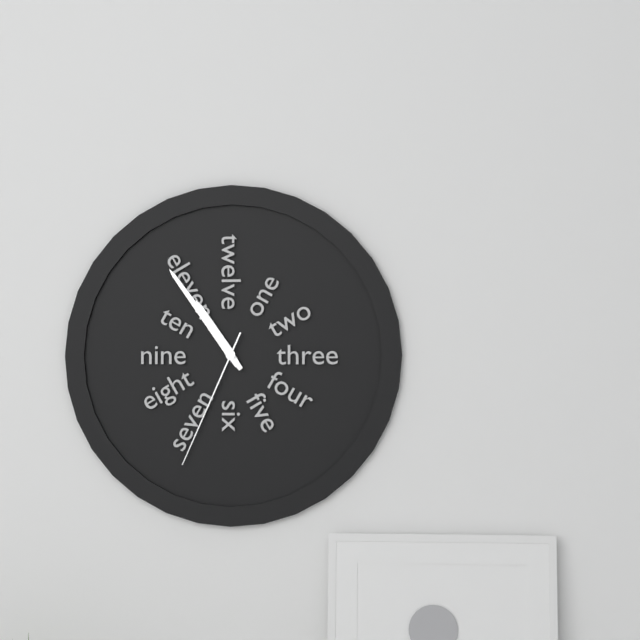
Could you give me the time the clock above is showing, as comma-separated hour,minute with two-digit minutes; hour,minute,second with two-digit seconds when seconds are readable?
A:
10,54,34
